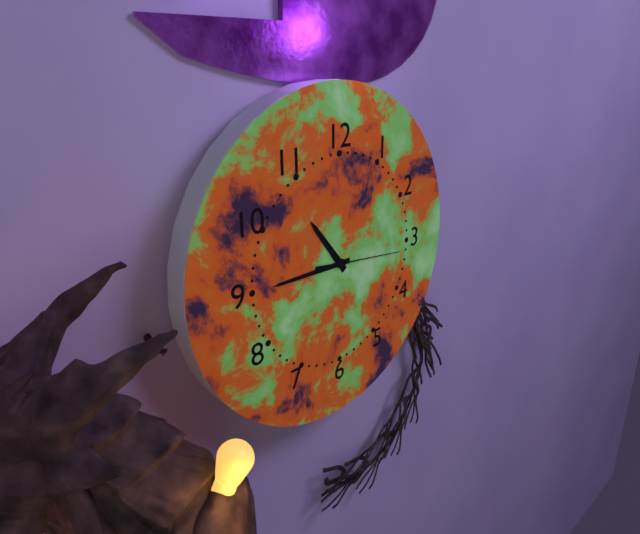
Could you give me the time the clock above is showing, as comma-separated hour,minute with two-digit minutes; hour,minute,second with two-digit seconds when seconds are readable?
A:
10,45,16
